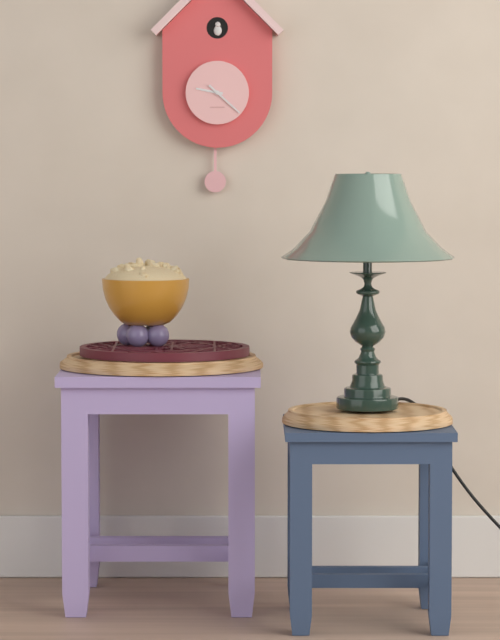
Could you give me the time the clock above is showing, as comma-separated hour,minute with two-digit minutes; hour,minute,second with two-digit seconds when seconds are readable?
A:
9,22
